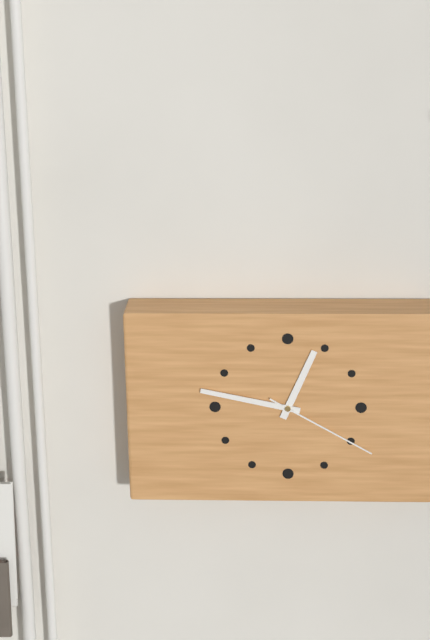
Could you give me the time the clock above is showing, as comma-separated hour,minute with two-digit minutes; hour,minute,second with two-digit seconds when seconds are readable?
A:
12,47,20
